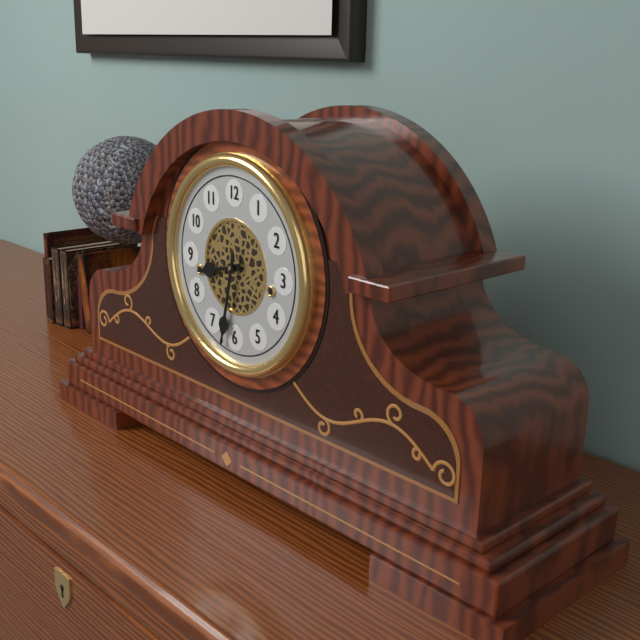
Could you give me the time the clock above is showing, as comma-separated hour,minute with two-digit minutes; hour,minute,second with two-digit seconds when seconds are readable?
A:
8,32
